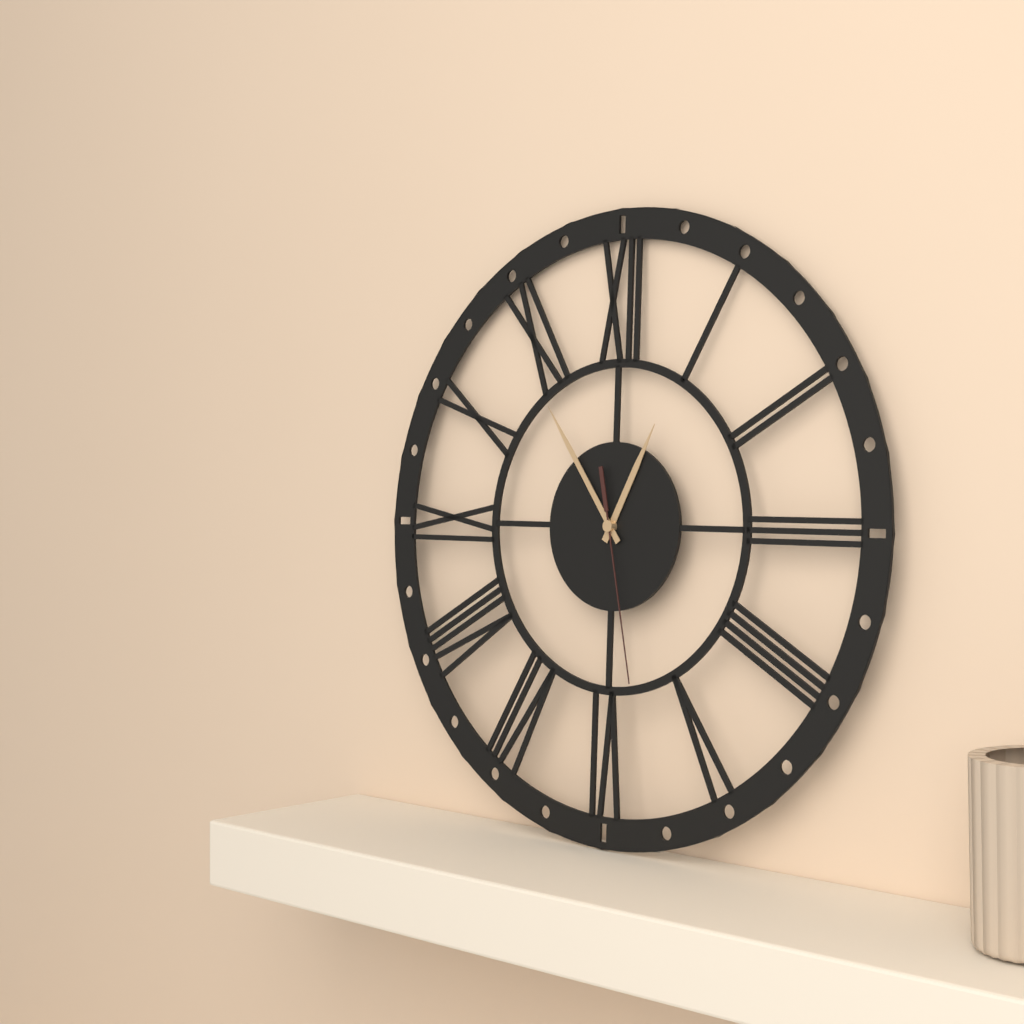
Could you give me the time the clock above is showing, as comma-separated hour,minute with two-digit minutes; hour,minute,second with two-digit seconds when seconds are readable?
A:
12,54,28
